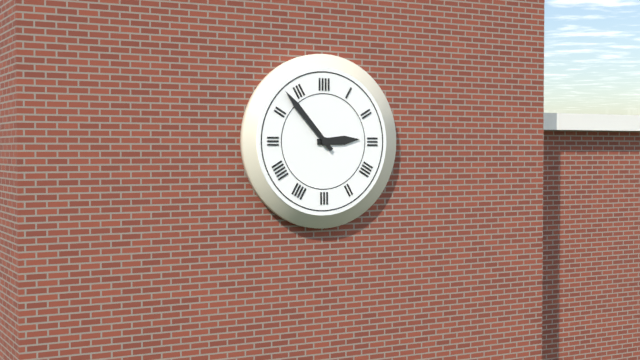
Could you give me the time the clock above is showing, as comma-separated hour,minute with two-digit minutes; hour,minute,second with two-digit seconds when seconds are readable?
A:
2,53
